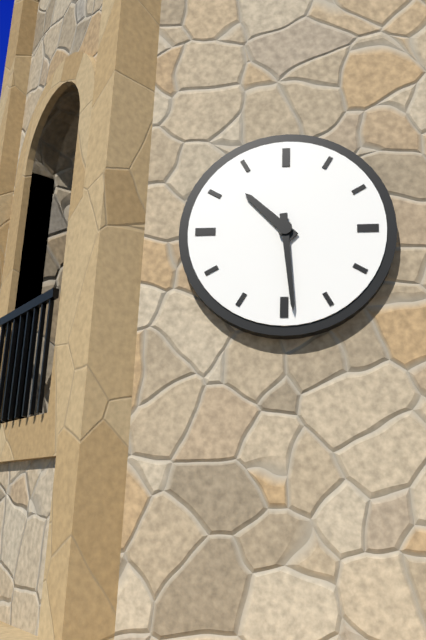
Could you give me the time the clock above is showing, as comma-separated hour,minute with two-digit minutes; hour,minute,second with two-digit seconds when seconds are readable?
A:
10,29
